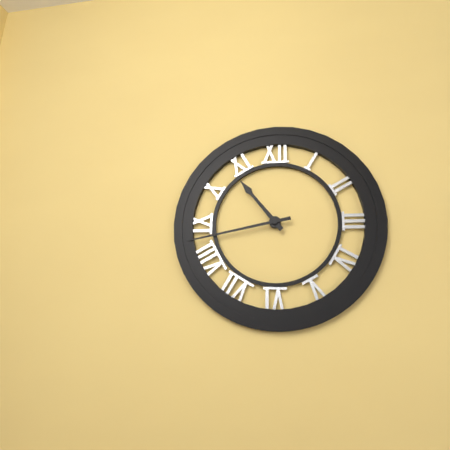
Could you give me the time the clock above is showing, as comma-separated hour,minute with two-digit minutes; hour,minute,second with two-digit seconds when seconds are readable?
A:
10,43
